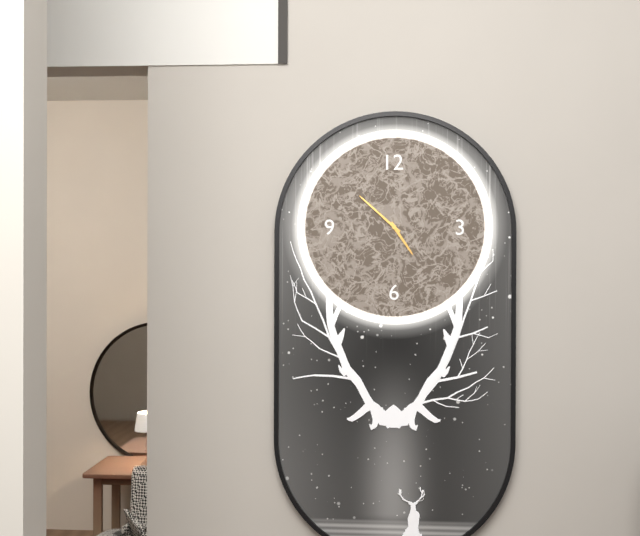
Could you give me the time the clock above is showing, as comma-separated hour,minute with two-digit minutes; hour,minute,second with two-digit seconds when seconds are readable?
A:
4,52
